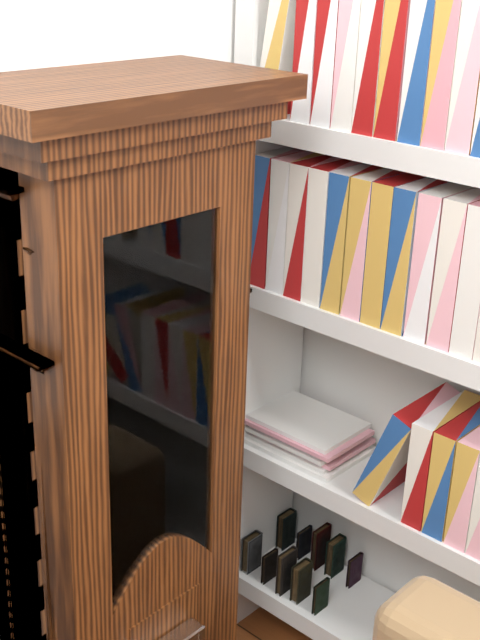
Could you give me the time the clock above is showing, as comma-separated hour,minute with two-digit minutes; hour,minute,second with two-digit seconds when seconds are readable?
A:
3,19
